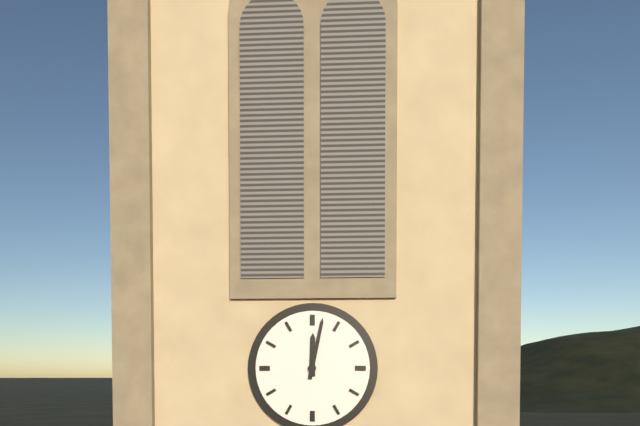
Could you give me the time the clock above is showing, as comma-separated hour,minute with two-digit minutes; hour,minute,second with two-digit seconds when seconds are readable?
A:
12,02
